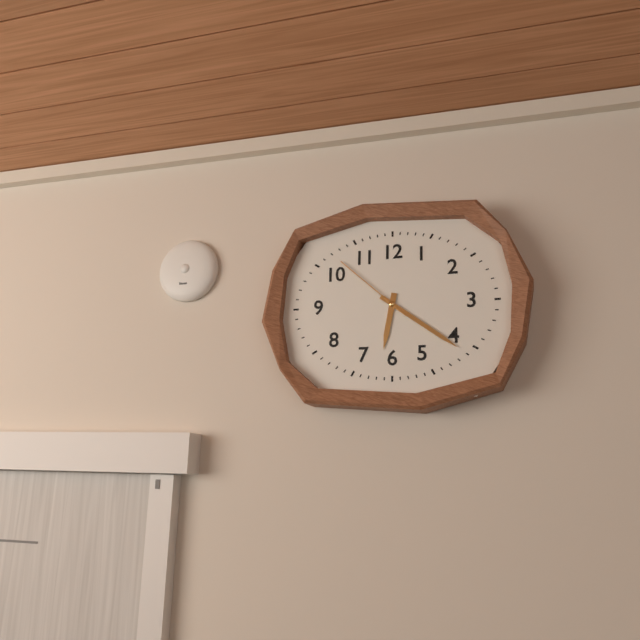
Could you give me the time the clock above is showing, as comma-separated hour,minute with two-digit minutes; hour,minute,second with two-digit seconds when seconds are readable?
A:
6,21,52
